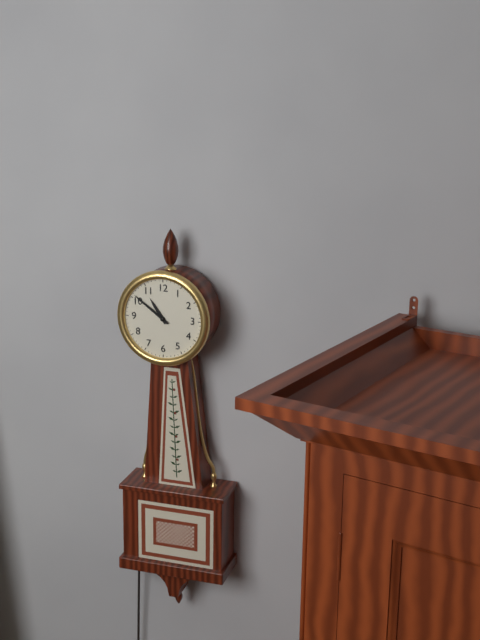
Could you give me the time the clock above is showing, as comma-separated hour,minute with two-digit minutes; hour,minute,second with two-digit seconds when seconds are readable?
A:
10,51
